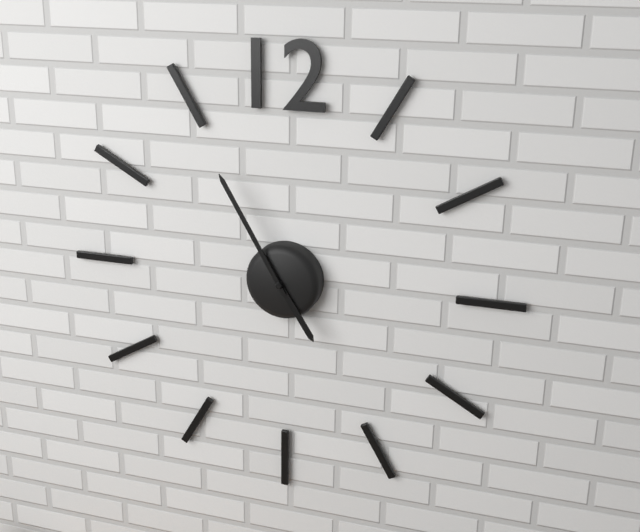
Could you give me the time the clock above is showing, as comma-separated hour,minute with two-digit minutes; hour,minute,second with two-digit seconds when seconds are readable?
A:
4,55
